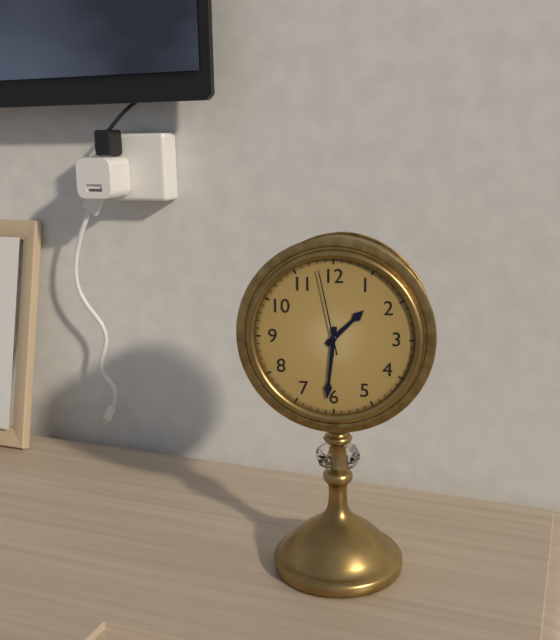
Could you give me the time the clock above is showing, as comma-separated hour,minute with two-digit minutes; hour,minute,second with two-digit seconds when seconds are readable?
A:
1,31,58
